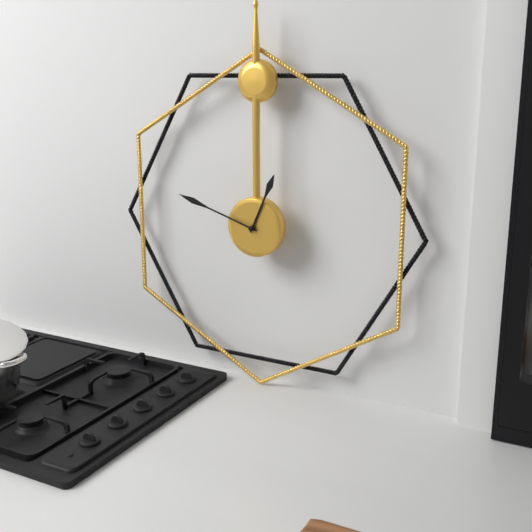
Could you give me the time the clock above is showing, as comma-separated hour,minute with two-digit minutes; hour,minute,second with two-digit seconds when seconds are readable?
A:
12,48
